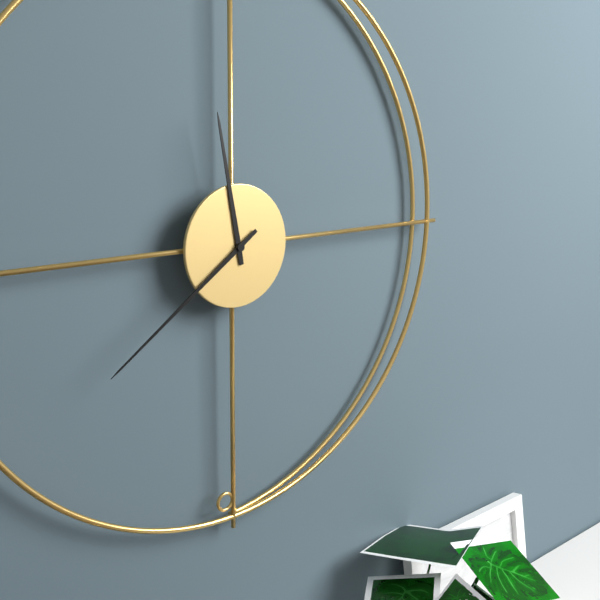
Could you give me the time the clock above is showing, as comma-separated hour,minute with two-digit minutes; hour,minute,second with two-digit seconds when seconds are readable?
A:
11,39
